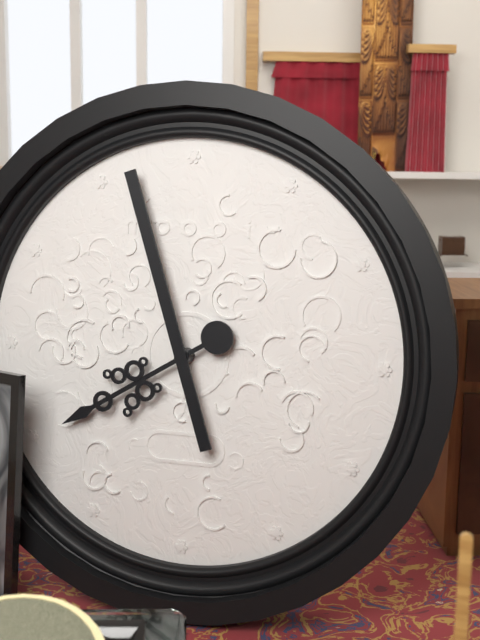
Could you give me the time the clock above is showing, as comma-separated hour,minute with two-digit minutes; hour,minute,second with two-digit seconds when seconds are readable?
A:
7,57
